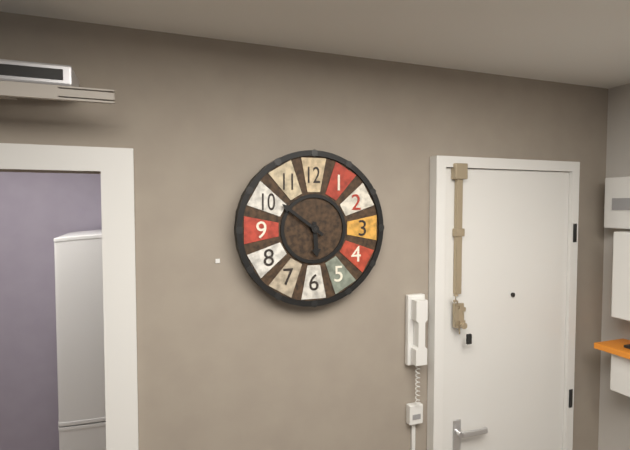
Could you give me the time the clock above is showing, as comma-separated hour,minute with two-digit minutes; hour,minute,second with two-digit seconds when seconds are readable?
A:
5,51
